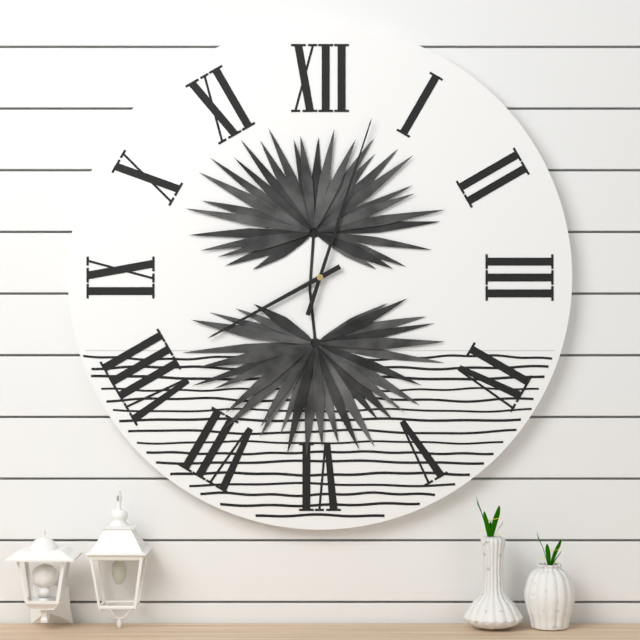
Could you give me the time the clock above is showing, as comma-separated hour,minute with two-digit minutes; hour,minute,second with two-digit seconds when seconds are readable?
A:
8,03
